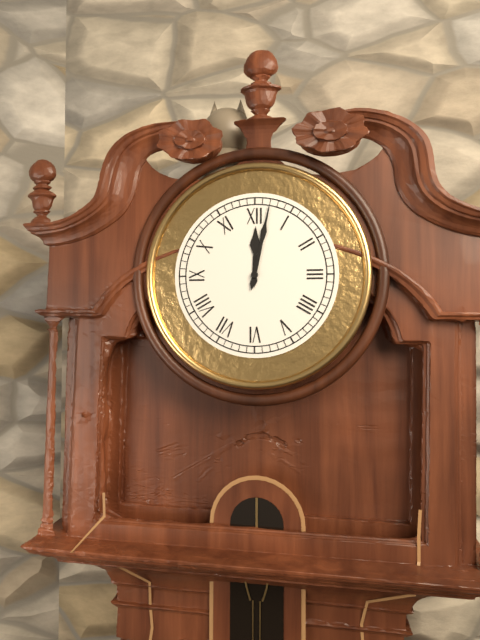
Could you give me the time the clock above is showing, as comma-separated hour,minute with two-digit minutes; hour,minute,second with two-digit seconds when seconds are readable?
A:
12,02
